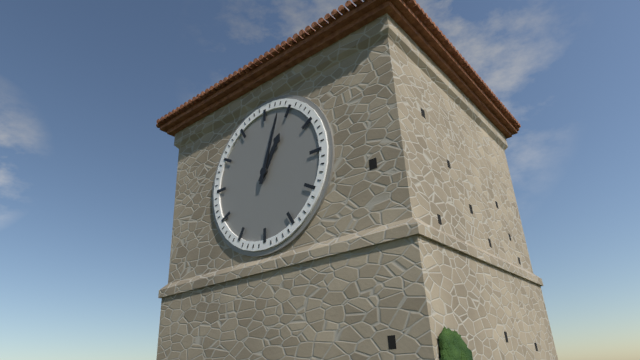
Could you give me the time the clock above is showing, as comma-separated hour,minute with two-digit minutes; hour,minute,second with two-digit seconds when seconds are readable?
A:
1,03
